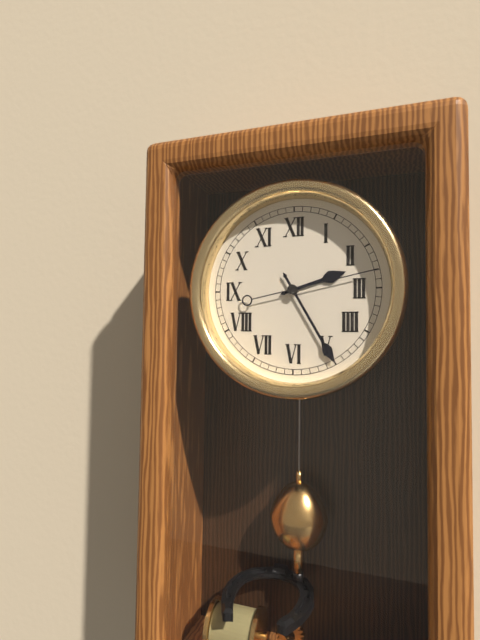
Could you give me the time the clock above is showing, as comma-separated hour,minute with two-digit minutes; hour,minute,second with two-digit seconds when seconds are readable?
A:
2,25,13
